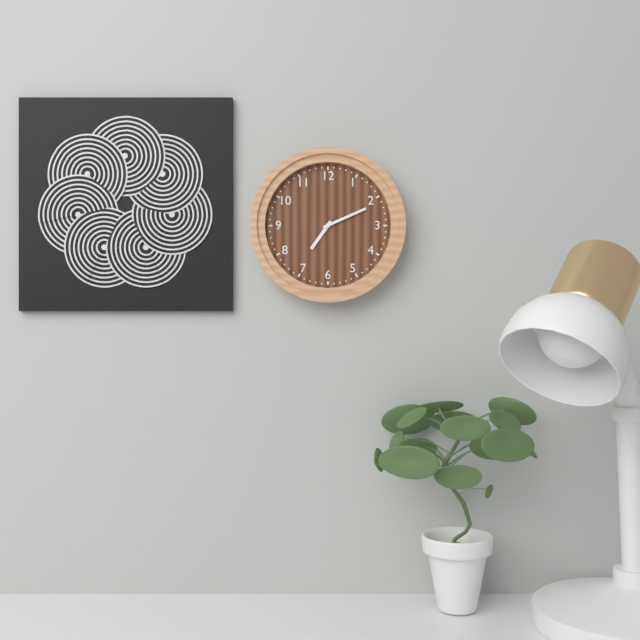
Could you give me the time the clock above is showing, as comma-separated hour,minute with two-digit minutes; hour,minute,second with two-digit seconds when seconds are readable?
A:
7,11
